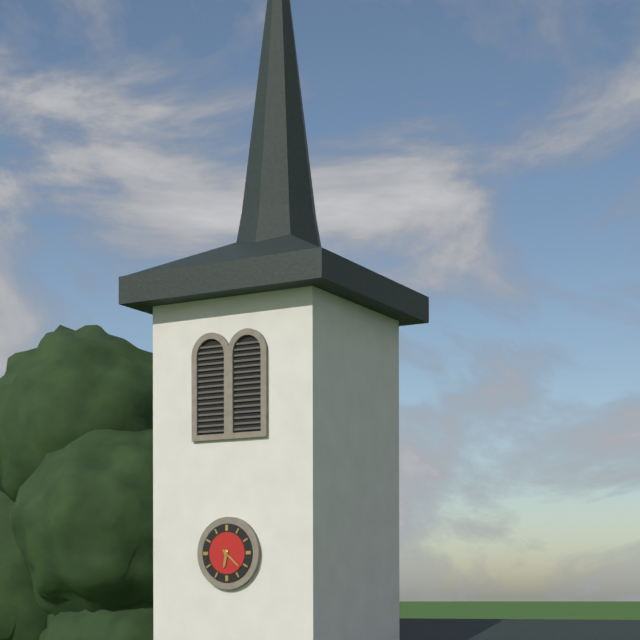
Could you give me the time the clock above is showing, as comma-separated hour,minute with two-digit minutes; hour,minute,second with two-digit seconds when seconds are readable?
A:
6,22
